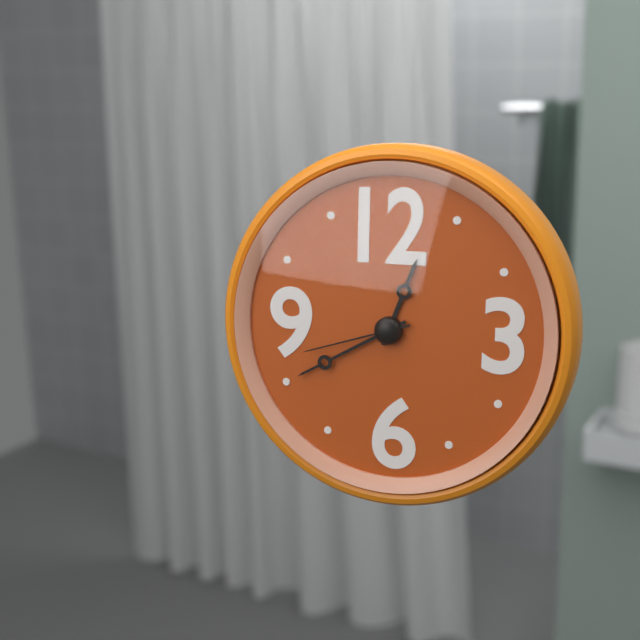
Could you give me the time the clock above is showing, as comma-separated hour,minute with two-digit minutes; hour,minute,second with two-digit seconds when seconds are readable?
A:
12,40,42
